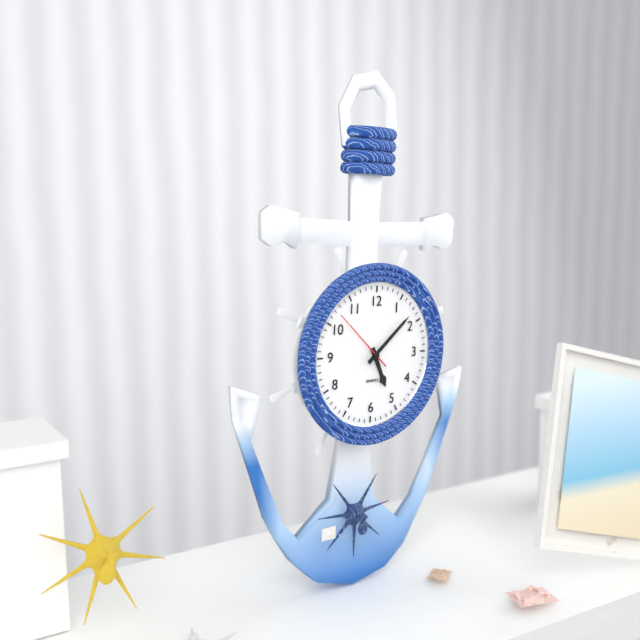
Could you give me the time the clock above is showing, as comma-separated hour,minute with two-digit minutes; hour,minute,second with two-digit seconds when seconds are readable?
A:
5,08,52
